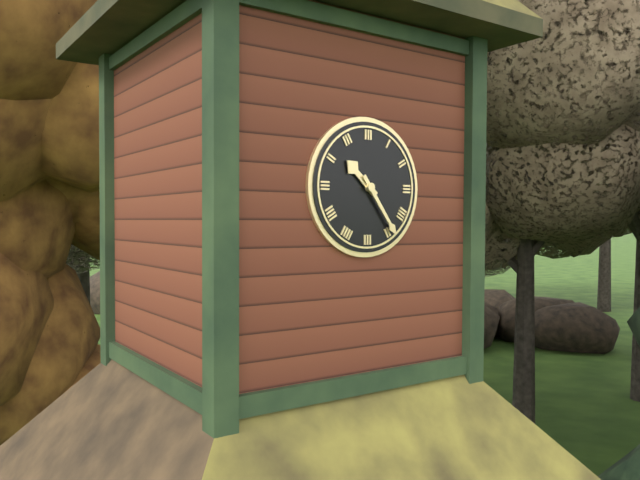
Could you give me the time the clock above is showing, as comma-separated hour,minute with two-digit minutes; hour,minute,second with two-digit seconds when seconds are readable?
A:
10,24
